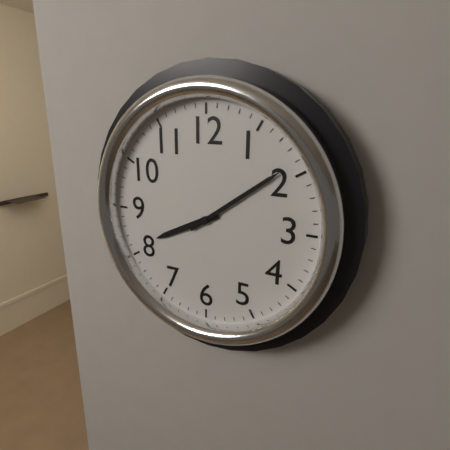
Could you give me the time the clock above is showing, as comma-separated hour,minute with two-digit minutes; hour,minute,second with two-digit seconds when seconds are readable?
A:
8,09
